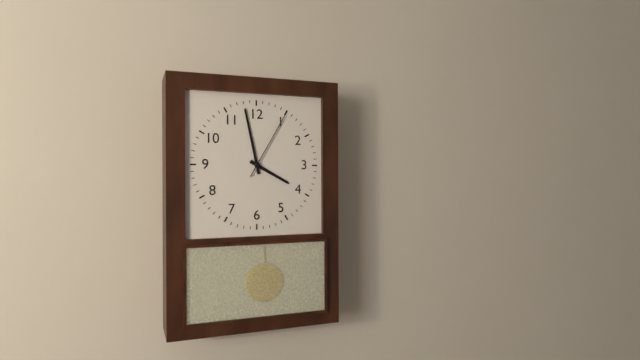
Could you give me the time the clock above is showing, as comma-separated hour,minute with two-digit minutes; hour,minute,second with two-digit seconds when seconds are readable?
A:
3,58,05
